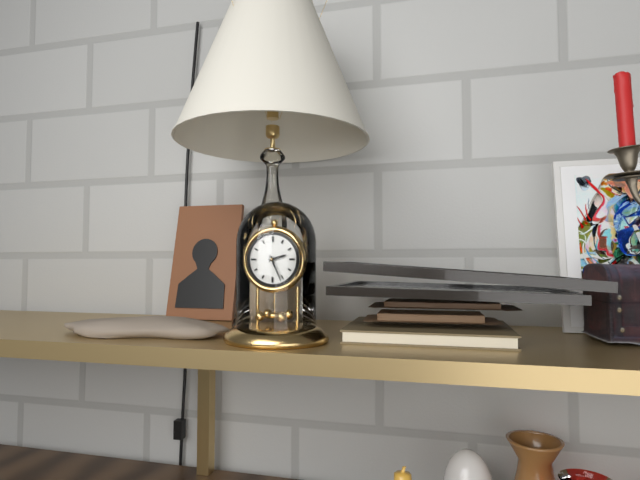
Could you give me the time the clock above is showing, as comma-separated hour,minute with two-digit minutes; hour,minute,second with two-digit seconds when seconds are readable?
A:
2,26
